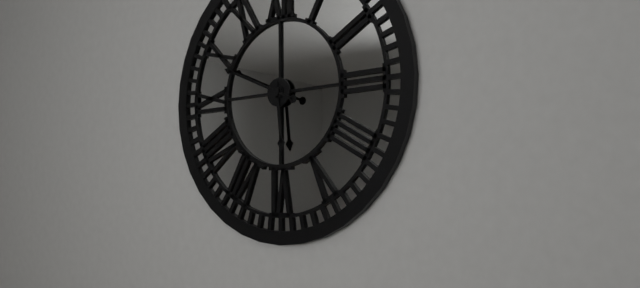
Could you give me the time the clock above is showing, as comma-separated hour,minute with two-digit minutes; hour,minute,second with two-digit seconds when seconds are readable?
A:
5,49
